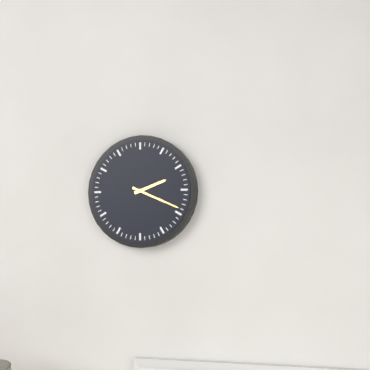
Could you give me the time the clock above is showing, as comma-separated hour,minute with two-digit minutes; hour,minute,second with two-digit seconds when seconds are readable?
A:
2,19
